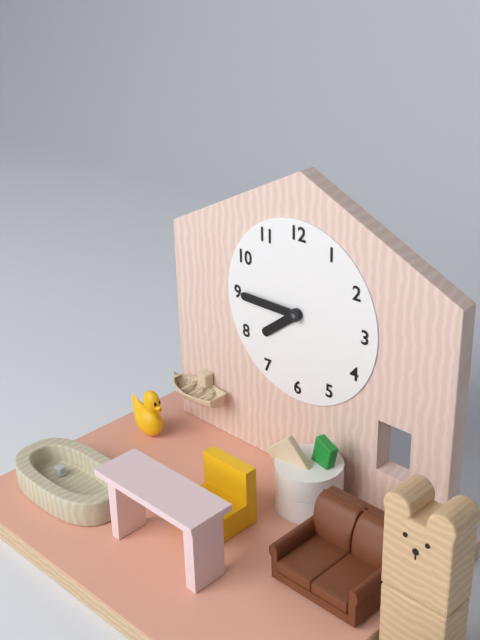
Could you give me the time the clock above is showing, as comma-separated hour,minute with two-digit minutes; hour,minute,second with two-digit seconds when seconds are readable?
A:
7,45
